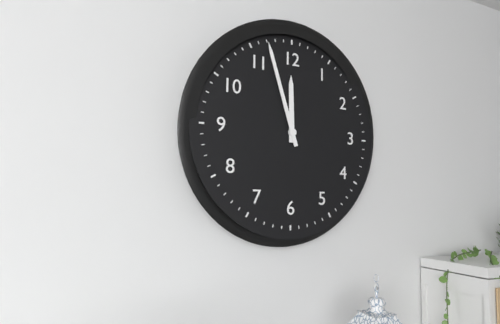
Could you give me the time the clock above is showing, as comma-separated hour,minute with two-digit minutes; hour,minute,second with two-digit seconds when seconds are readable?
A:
11,57
